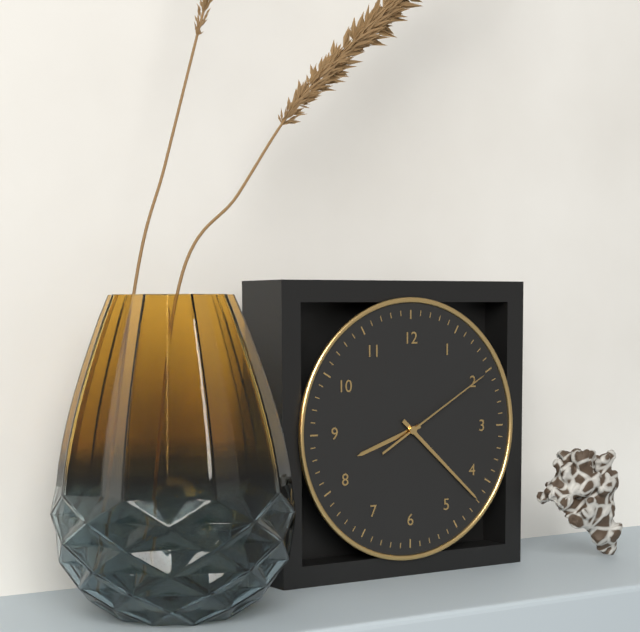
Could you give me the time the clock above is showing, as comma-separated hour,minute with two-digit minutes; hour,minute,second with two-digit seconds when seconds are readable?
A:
8,22,10
